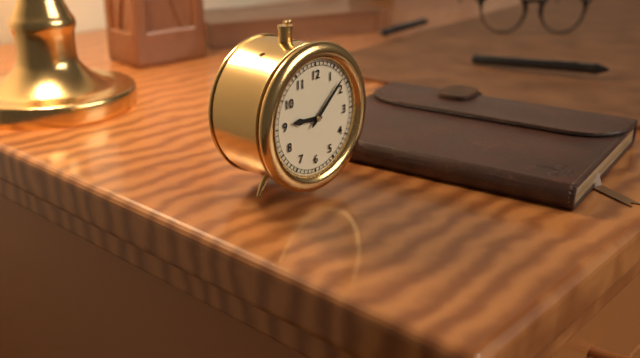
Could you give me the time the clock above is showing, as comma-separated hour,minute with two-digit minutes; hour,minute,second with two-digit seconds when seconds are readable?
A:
9,08
